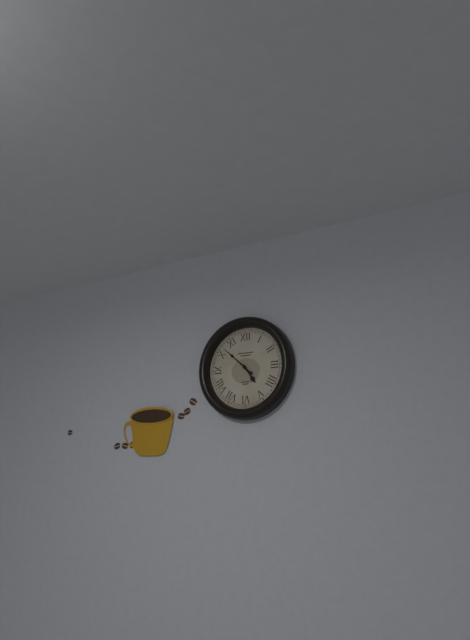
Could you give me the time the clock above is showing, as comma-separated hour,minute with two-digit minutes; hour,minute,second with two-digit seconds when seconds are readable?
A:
4,52
